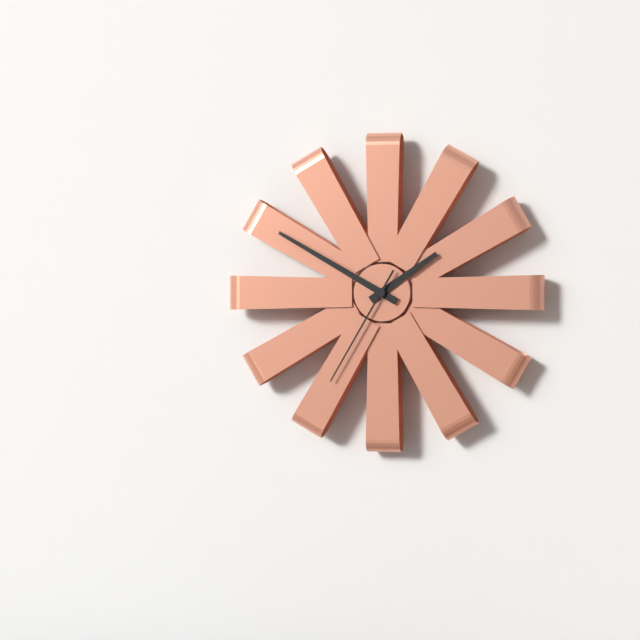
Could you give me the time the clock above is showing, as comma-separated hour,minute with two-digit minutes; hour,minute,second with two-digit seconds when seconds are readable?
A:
1,50,35
